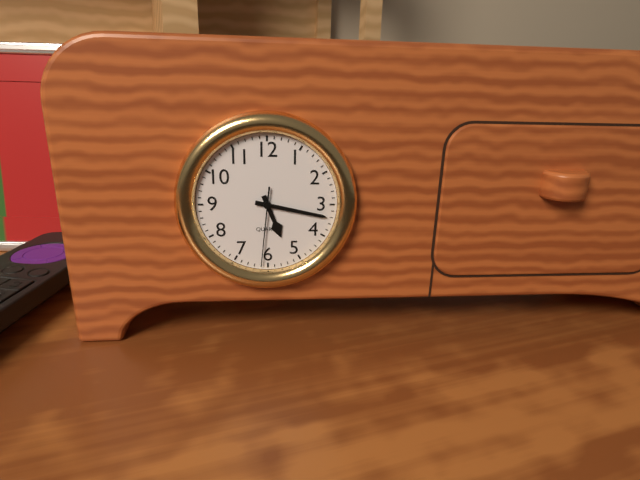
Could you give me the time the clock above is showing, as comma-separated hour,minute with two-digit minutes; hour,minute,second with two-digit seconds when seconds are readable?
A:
5,17,31
